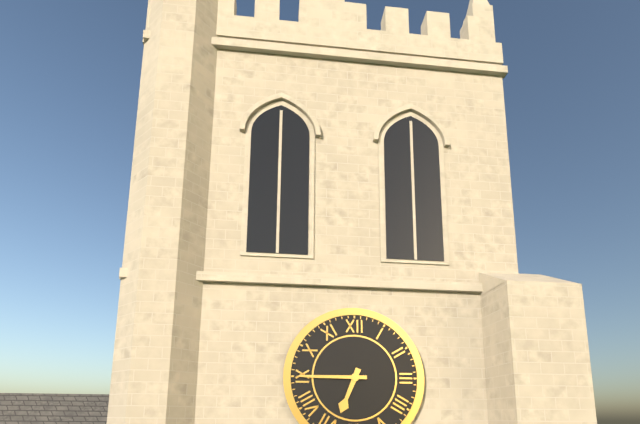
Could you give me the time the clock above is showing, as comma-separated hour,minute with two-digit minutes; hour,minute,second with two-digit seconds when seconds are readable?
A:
6,45
